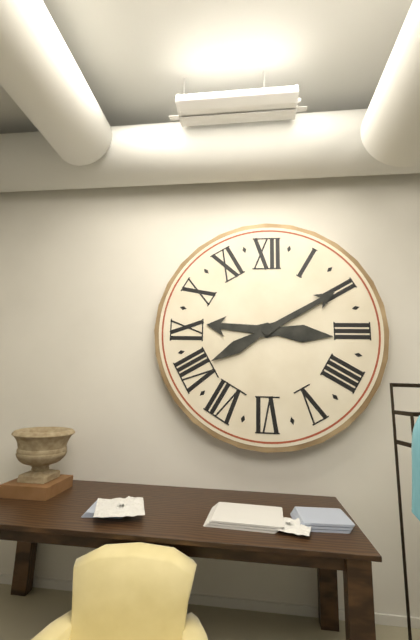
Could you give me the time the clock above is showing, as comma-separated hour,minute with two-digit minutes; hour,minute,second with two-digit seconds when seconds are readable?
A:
9,10
